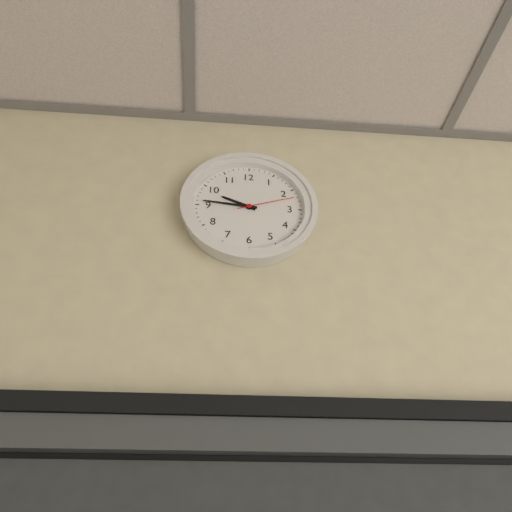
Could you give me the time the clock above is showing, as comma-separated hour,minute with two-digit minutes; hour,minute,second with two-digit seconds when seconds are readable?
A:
9,46,12
